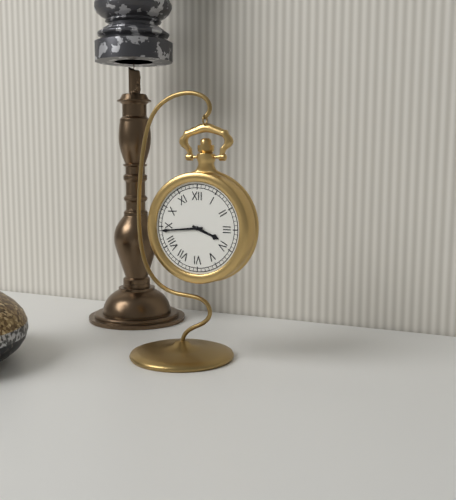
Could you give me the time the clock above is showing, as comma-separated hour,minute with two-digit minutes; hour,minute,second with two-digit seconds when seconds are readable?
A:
3,44
